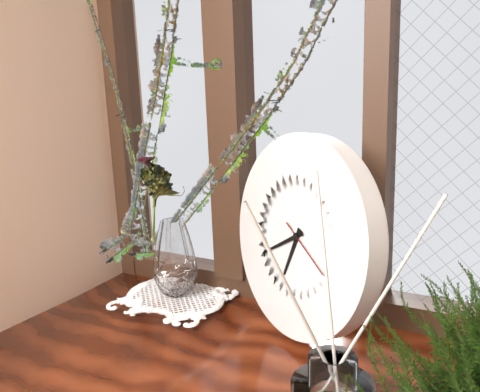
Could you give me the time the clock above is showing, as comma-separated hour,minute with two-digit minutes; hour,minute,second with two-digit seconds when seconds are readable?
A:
6,40
